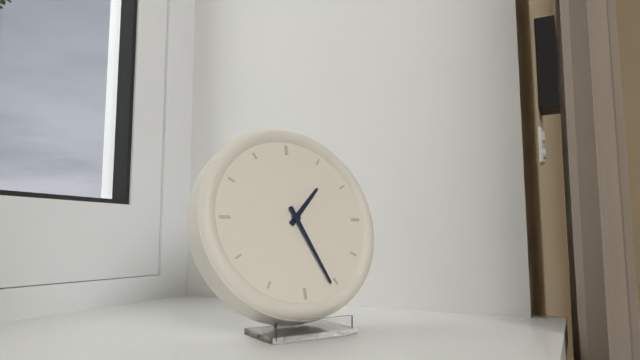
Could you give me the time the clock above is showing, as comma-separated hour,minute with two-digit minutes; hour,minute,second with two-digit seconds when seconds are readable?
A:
1,26
